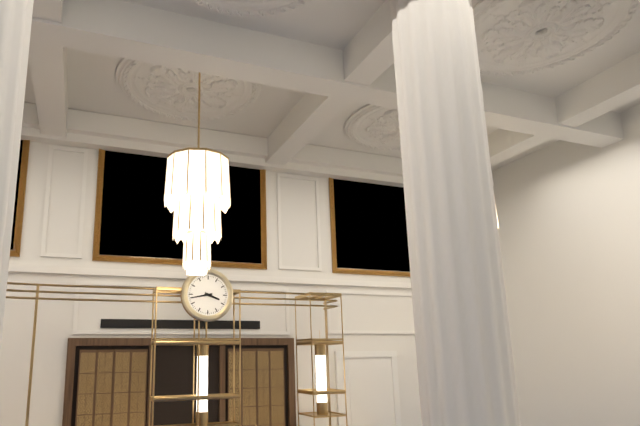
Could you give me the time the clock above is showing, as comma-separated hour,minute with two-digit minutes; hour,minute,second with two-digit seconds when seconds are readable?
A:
3,43
